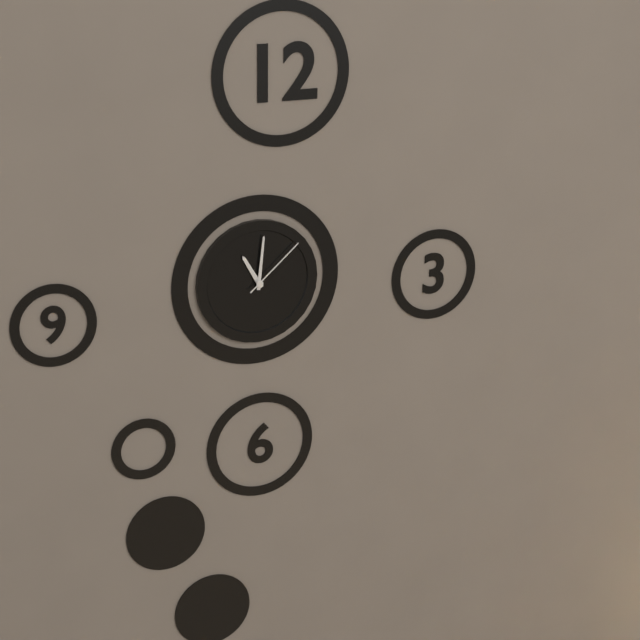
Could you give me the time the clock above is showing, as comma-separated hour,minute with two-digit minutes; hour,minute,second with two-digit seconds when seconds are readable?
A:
11,01,08
